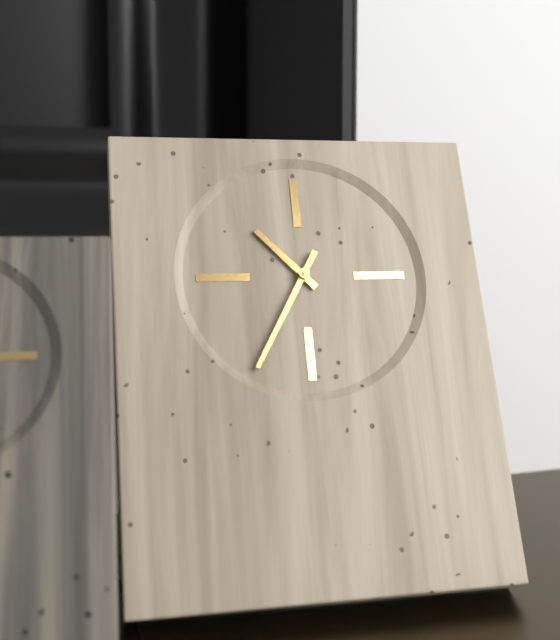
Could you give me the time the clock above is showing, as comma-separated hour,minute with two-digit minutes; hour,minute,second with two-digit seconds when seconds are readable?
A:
10,35
